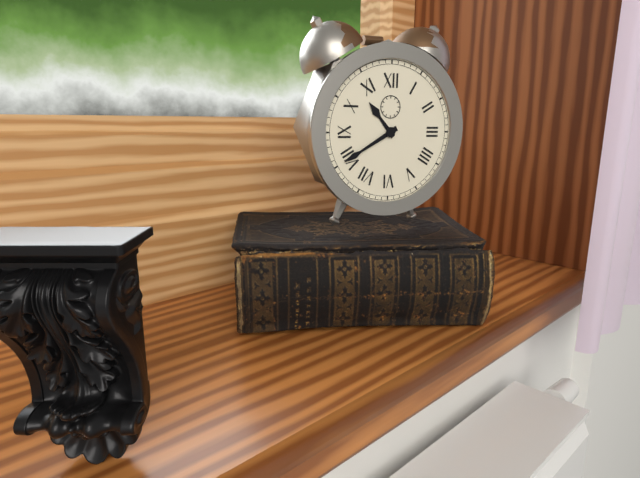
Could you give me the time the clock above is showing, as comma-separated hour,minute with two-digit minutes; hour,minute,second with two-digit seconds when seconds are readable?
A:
10,40
